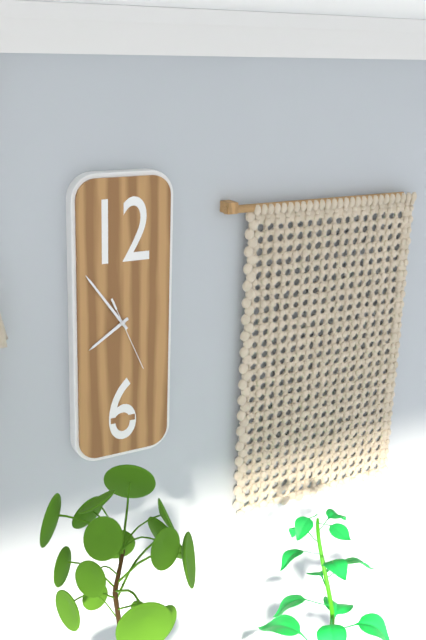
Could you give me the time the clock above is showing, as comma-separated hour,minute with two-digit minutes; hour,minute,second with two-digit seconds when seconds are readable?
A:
7,54,26
